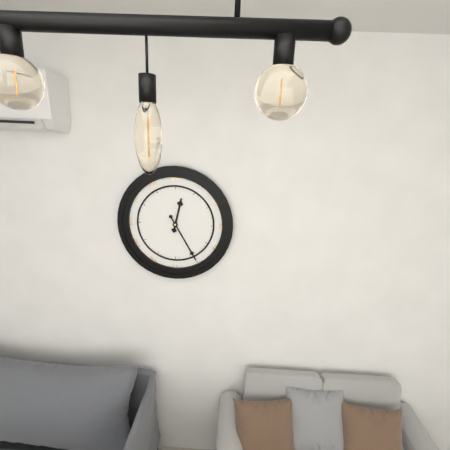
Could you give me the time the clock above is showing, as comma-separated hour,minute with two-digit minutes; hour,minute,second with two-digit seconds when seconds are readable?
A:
12,25
